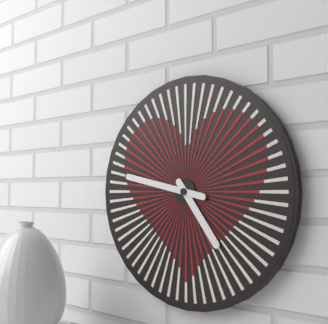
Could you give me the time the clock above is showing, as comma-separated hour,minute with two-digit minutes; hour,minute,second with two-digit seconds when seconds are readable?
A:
4,47
